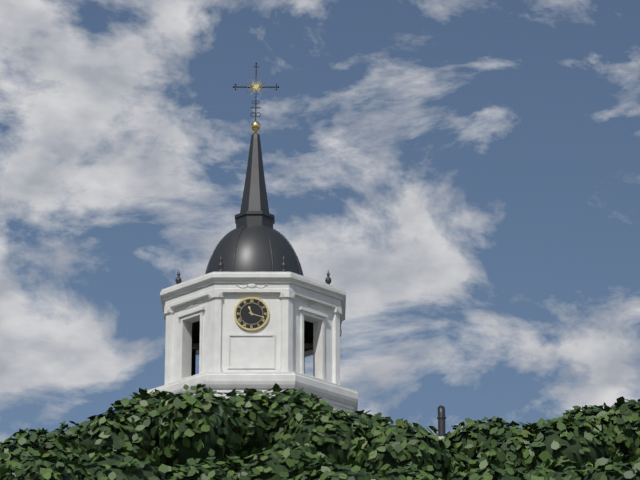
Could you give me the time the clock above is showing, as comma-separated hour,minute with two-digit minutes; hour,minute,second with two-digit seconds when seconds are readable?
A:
11,18
